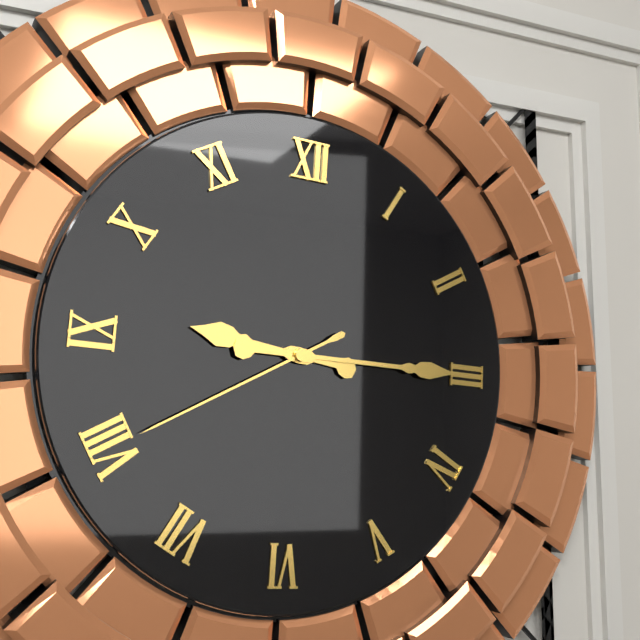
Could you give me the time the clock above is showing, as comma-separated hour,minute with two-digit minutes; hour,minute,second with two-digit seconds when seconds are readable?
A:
9,15,40
